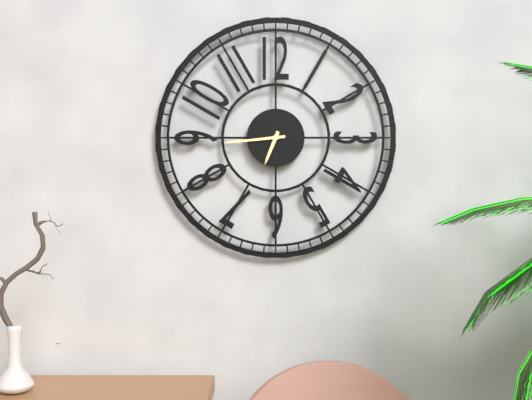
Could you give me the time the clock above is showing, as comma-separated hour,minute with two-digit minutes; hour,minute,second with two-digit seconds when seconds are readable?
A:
6,44
